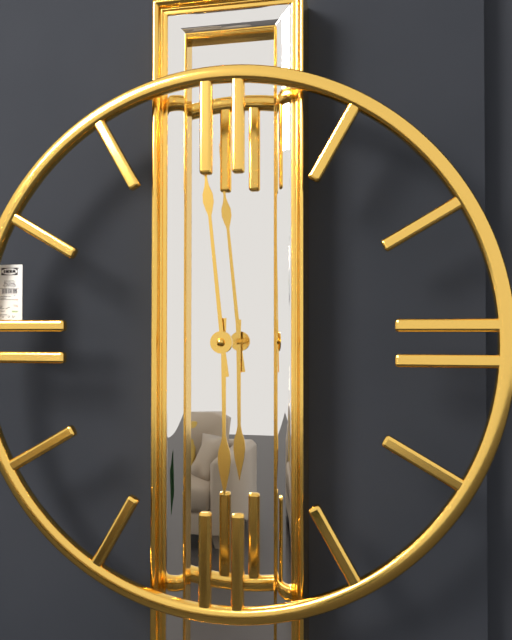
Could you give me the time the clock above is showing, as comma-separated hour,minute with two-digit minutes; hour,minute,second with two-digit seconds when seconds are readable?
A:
5,59
